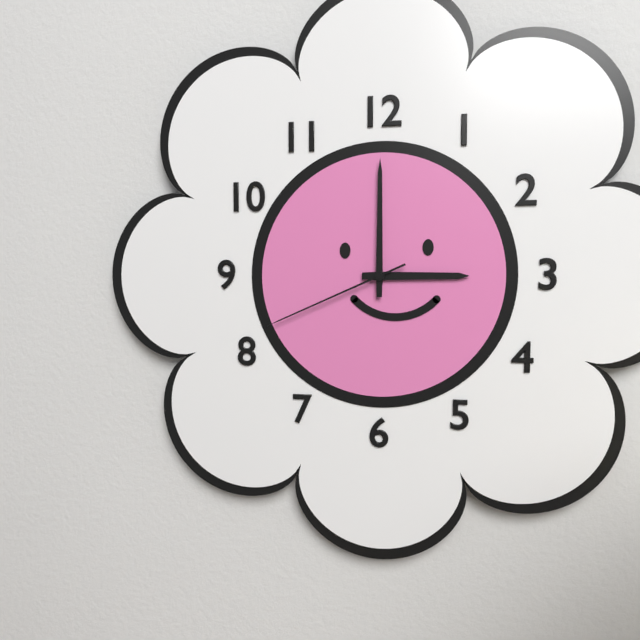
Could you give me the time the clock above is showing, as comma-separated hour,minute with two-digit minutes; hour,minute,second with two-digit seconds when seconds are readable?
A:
3,00,41
